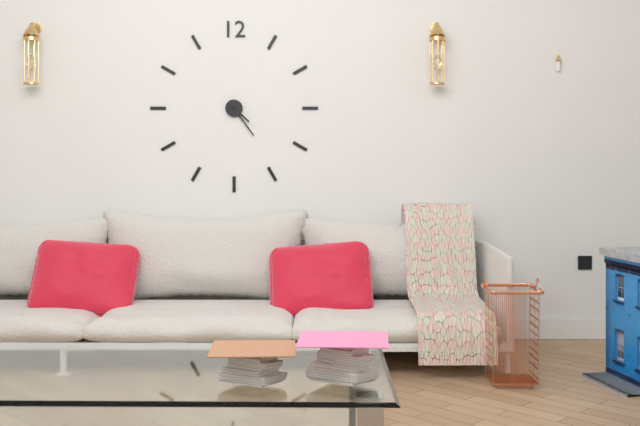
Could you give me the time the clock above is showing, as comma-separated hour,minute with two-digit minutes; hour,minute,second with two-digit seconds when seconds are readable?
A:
4,24
